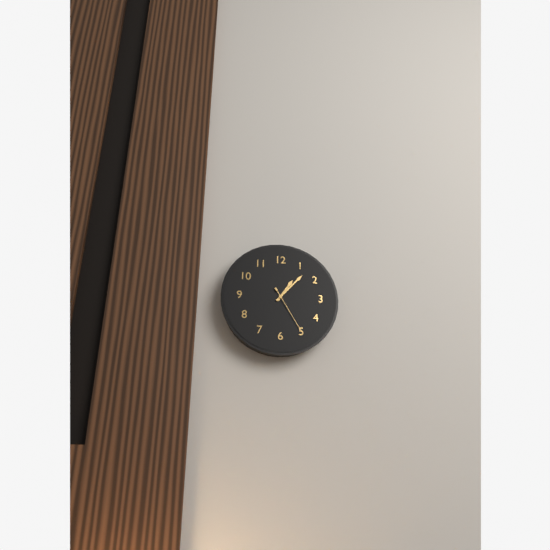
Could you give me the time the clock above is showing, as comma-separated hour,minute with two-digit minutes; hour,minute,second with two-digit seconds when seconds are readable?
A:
1,07
